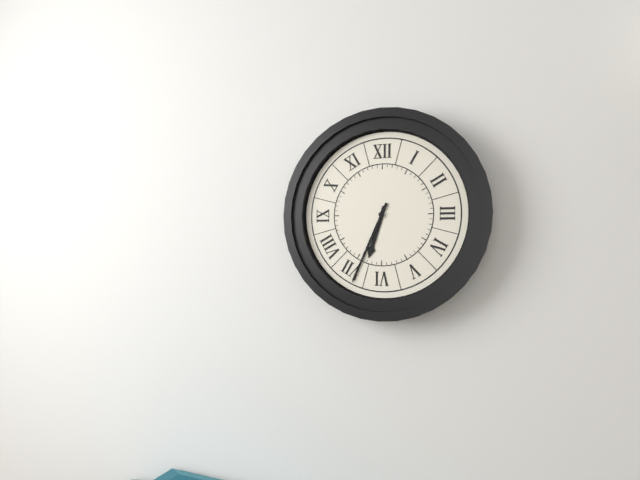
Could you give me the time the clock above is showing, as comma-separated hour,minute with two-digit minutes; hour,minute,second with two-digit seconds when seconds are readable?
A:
6,34
